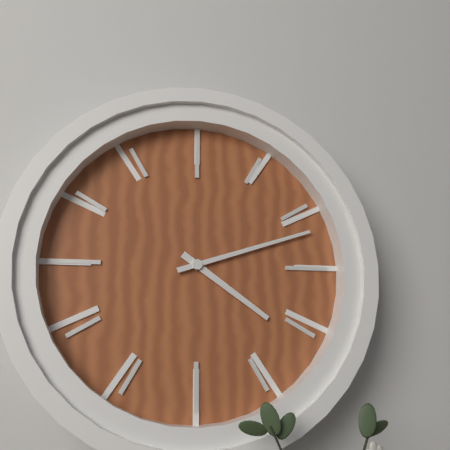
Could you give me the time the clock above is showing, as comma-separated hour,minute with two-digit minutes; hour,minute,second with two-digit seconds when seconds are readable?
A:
4,12
